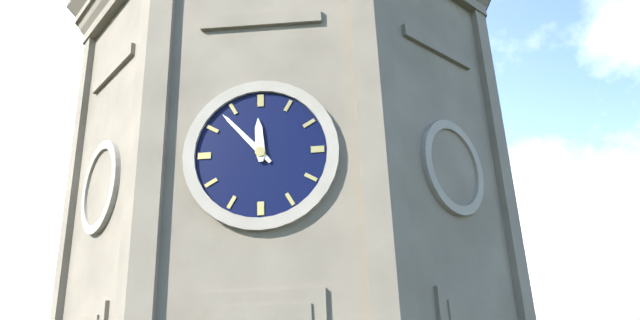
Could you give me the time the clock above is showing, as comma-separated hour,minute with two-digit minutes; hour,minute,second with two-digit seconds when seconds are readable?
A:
11,53
